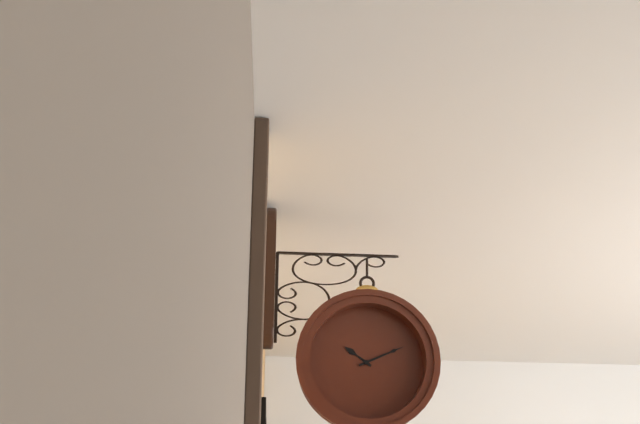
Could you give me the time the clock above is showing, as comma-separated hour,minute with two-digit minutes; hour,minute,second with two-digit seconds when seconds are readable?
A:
10,11
